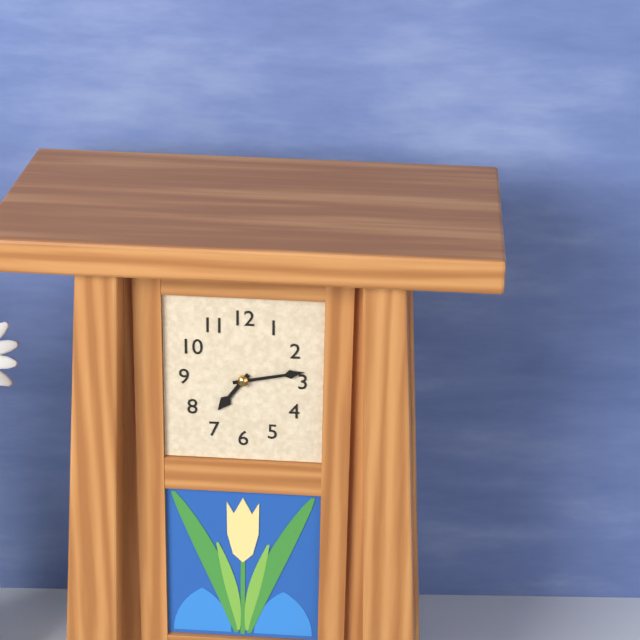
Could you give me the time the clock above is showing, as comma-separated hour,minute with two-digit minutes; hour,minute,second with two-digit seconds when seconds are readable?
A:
7,13
